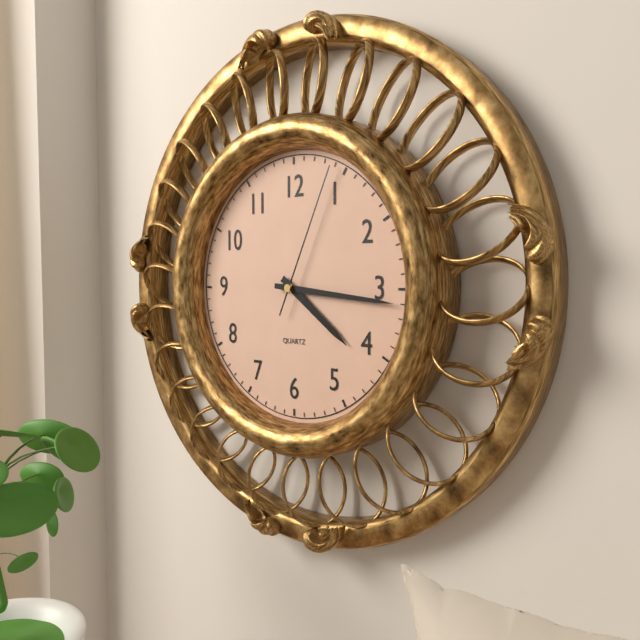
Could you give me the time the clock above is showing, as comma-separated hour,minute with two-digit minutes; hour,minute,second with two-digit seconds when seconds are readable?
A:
4,16,04
